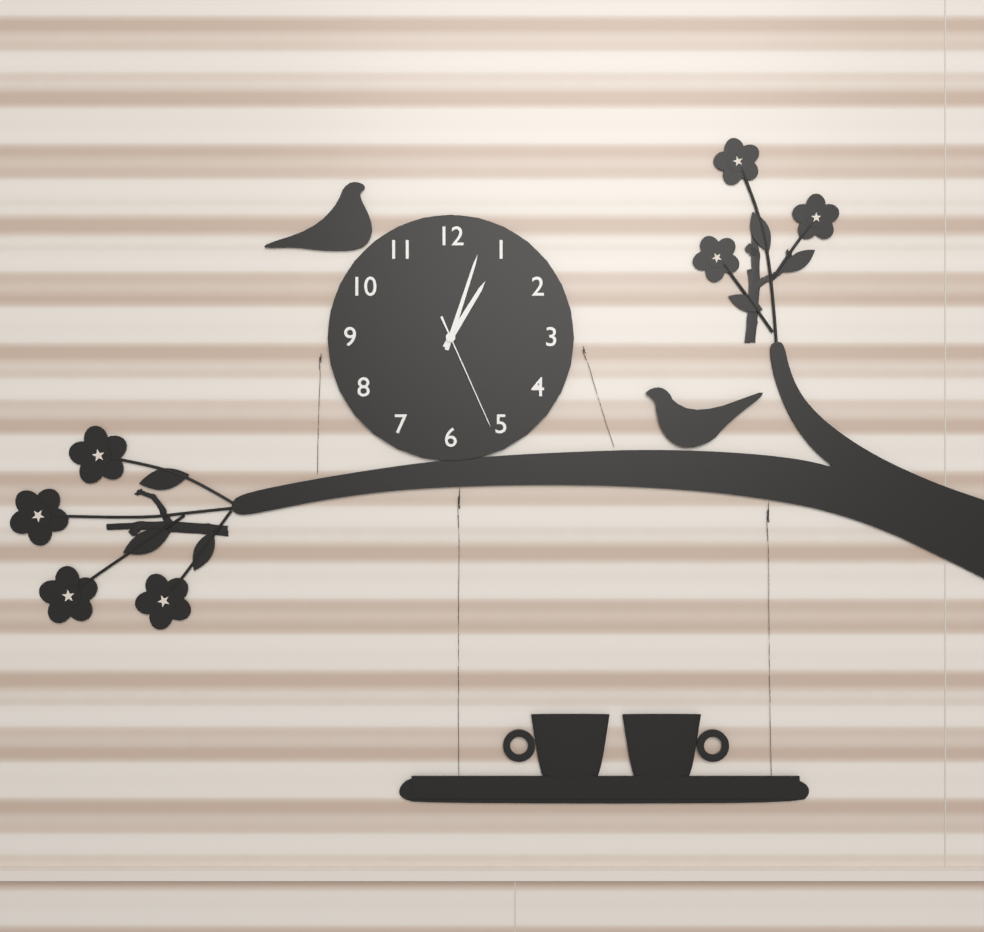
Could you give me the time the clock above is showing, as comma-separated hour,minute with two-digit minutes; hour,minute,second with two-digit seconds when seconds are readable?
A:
1,03,26
